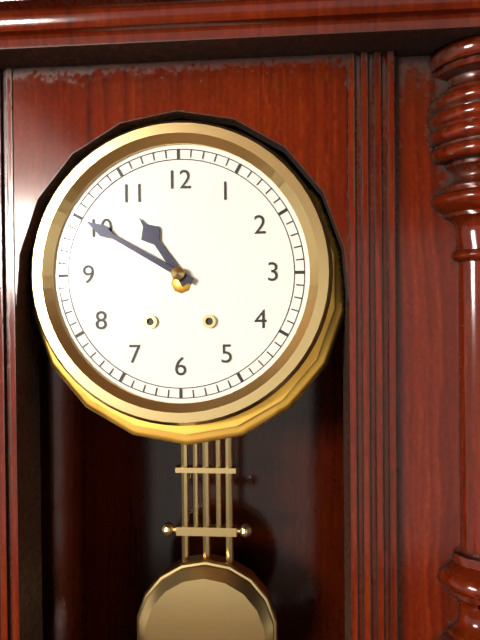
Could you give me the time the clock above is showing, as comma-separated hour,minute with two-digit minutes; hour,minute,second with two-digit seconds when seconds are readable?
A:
10,50
